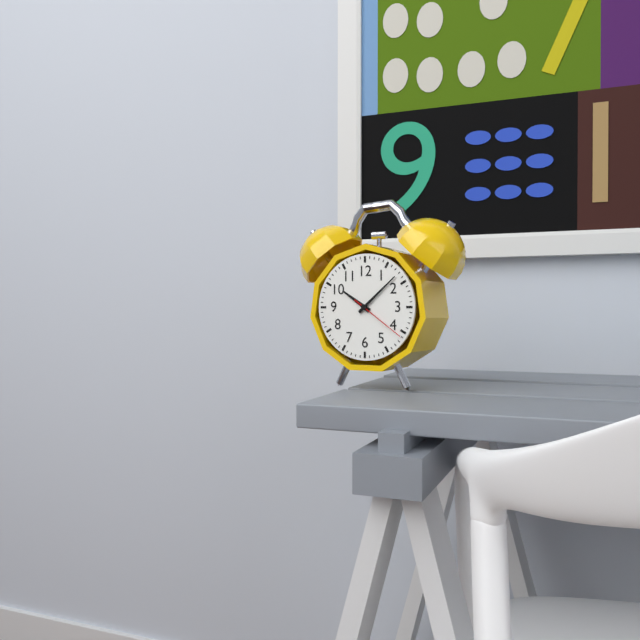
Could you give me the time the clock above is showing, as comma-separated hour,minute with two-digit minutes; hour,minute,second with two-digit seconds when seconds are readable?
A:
10,08,21
